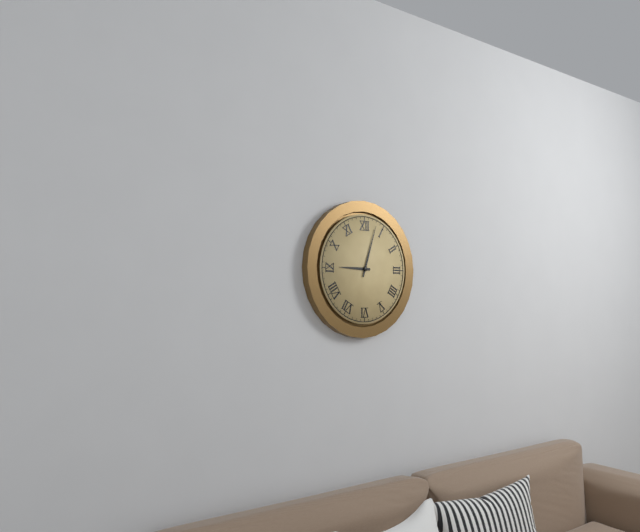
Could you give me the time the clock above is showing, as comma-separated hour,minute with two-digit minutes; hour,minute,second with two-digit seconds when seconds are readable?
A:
9,03
